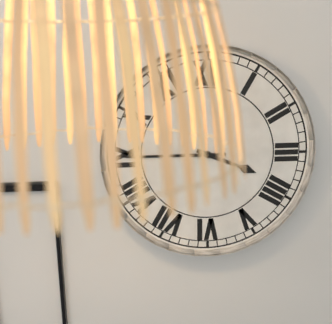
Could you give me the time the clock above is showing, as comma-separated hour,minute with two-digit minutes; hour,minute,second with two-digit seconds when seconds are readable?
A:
3,45
